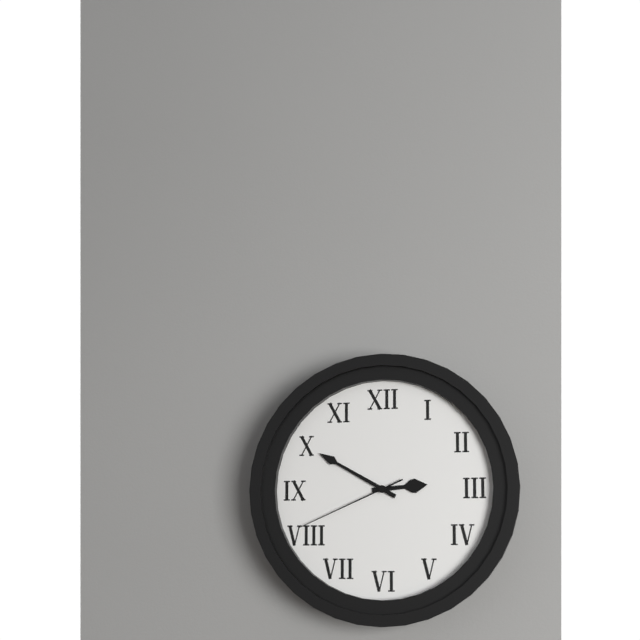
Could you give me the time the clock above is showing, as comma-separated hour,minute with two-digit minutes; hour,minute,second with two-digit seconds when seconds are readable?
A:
2,50,41
